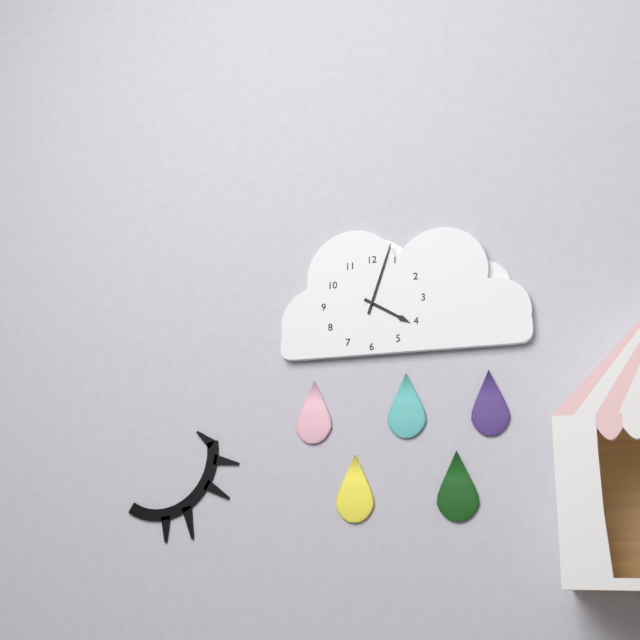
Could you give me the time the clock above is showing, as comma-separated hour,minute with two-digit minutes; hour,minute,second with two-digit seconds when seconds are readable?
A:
4,03
